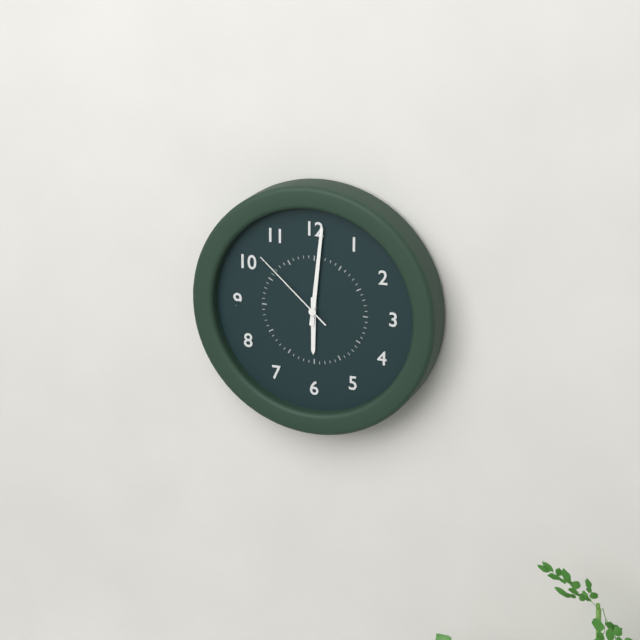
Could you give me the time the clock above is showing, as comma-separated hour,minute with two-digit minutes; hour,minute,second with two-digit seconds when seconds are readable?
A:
6,01,52
